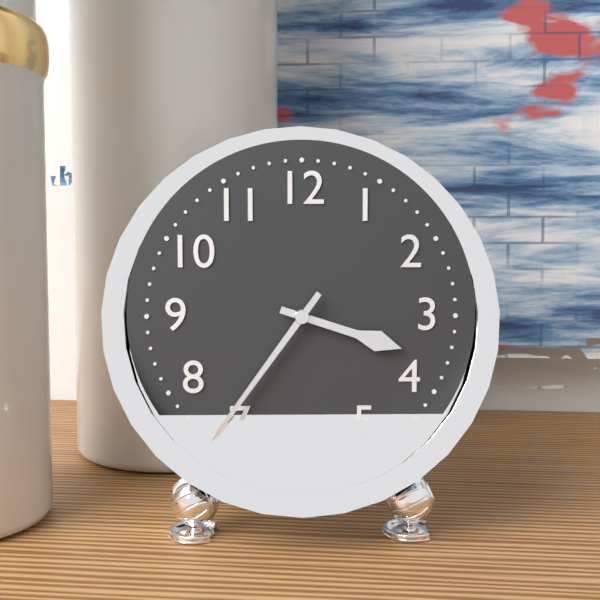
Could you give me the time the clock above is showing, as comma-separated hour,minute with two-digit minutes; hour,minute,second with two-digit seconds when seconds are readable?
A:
3,36
